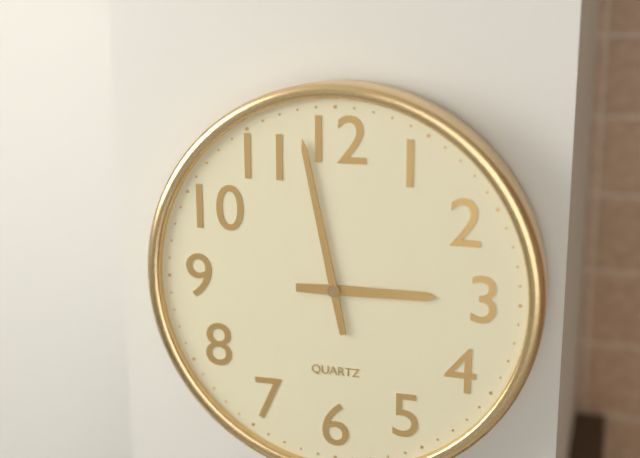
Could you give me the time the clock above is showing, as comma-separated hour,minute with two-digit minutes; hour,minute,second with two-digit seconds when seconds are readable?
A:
2,58
